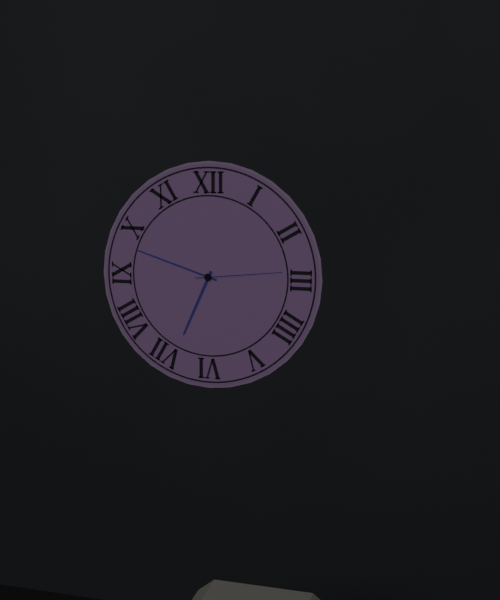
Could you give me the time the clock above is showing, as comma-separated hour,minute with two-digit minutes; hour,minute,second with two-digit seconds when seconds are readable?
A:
6,48,14
